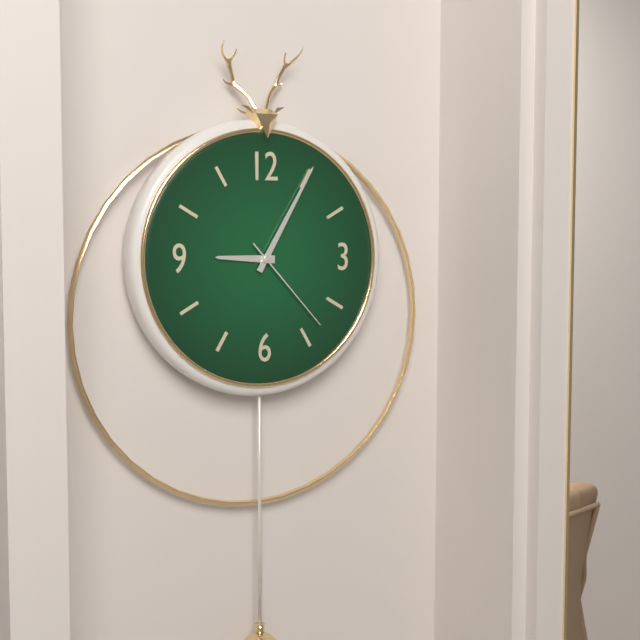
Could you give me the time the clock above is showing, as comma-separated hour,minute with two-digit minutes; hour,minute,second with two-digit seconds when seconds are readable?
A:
9,05,23
